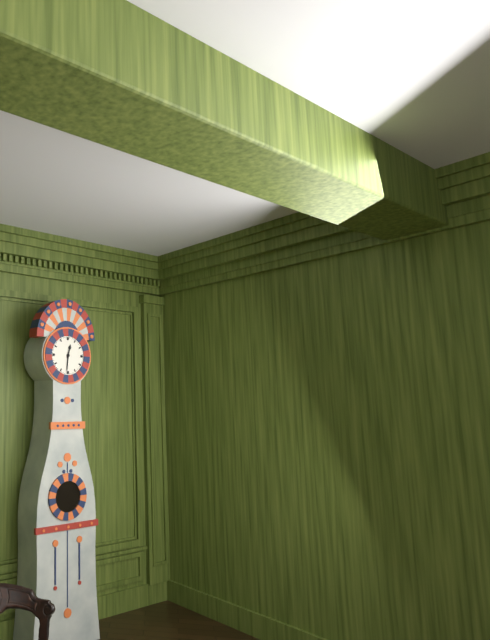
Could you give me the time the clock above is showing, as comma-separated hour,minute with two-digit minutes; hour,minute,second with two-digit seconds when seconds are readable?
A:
12,31
